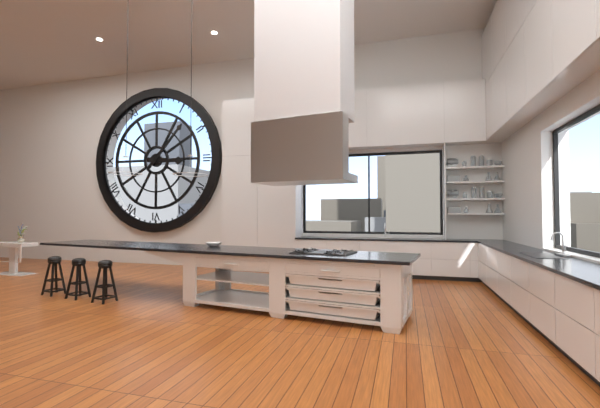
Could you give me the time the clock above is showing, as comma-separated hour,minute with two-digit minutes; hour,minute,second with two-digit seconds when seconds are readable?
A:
3,07
